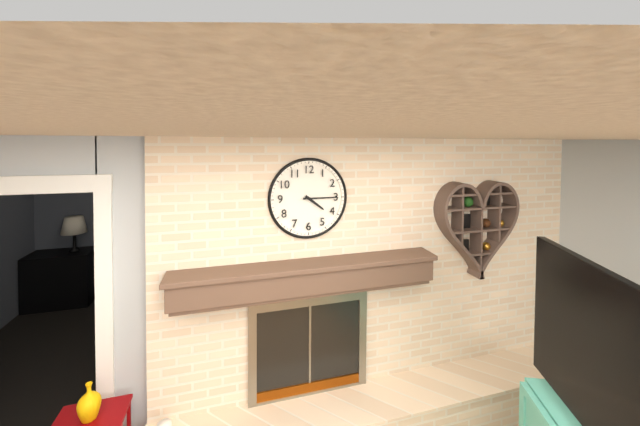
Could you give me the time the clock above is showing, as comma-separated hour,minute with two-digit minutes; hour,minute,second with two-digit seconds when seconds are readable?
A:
4,15
